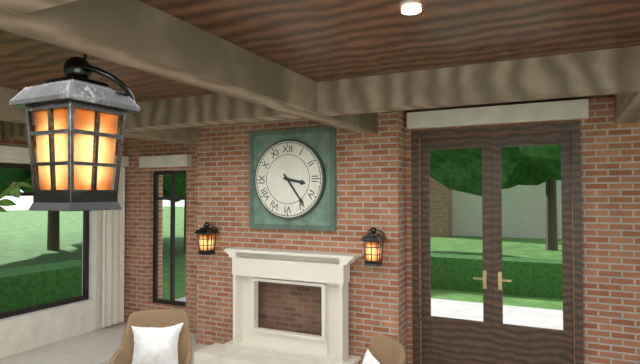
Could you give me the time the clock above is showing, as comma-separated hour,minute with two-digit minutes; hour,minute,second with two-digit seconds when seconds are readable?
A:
3,24
